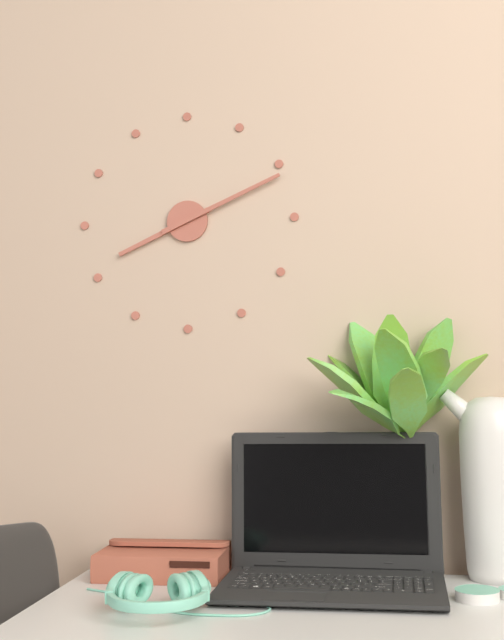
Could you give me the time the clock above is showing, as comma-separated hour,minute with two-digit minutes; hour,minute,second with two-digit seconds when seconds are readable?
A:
8,11
